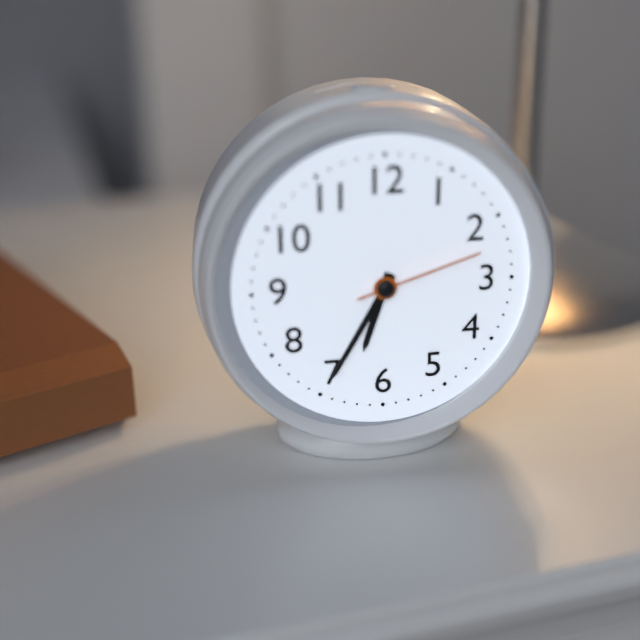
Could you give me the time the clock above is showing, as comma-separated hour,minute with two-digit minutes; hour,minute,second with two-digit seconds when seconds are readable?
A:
6,35,12
